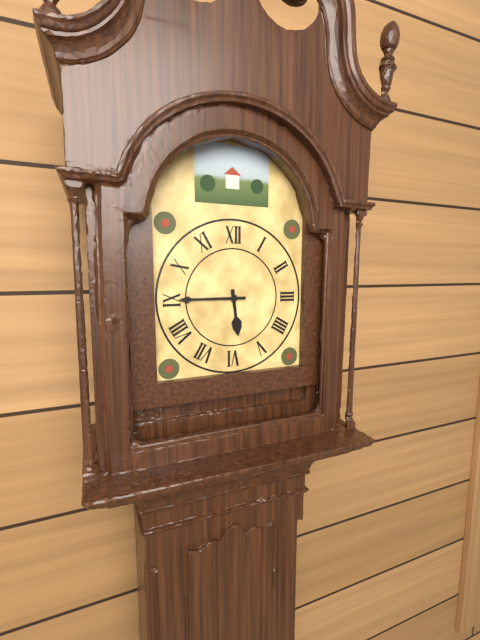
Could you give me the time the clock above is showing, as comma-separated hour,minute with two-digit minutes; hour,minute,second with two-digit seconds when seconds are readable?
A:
5,45
